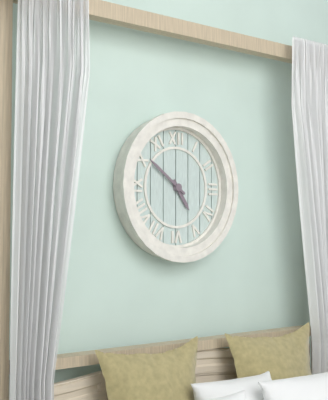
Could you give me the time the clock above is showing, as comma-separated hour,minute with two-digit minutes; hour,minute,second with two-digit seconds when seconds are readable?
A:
4,51
